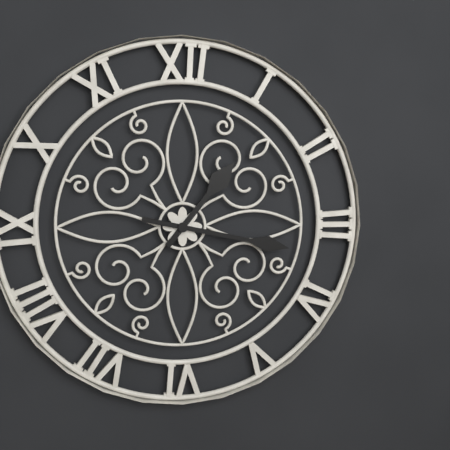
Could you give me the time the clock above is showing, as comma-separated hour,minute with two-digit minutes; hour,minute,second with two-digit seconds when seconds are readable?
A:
1,17
